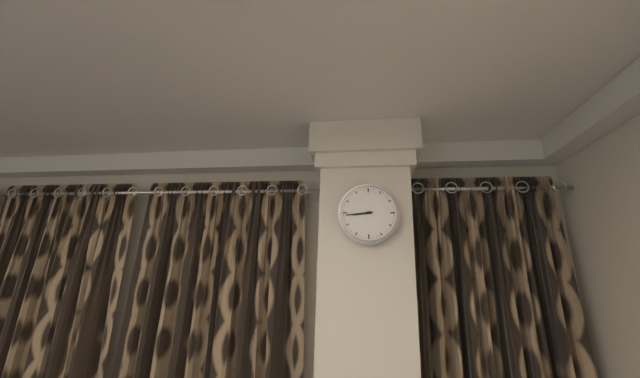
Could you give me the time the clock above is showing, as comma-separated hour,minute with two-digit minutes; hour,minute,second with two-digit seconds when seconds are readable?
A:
8,44
